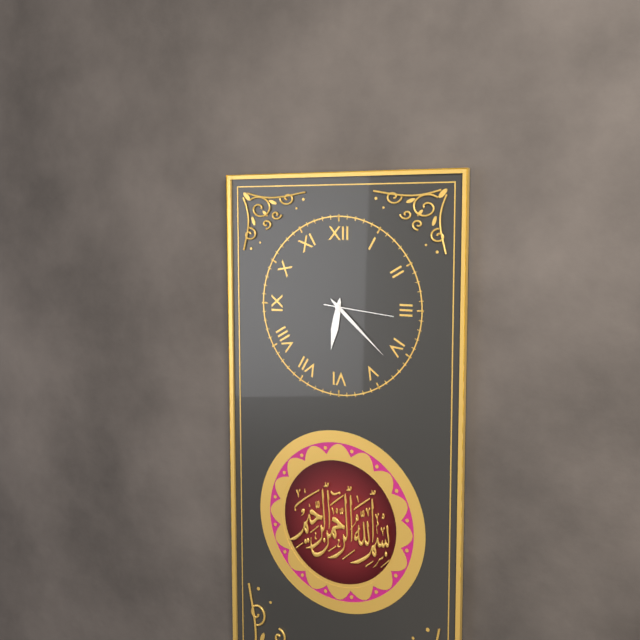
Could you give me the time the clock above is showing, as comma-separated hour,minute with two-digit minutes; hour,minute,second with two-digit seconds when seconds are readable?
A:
6,22,16
